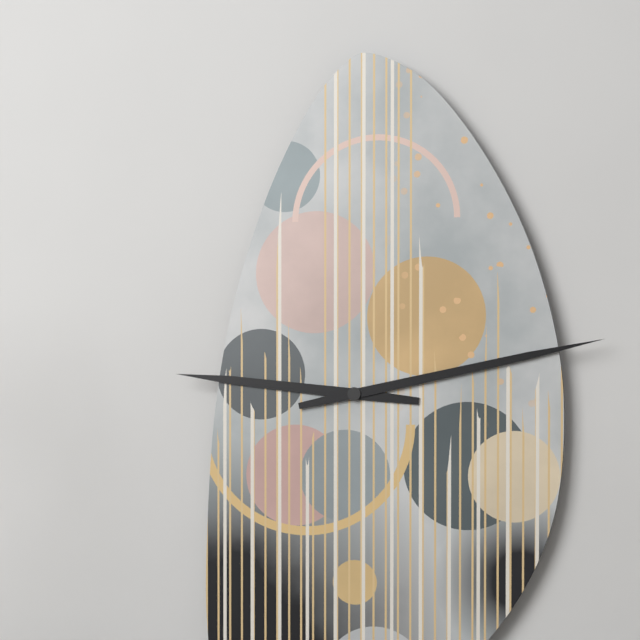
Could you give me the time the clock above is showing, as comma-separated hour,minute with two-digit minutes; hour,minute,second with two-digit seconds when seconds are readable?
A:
9,13
